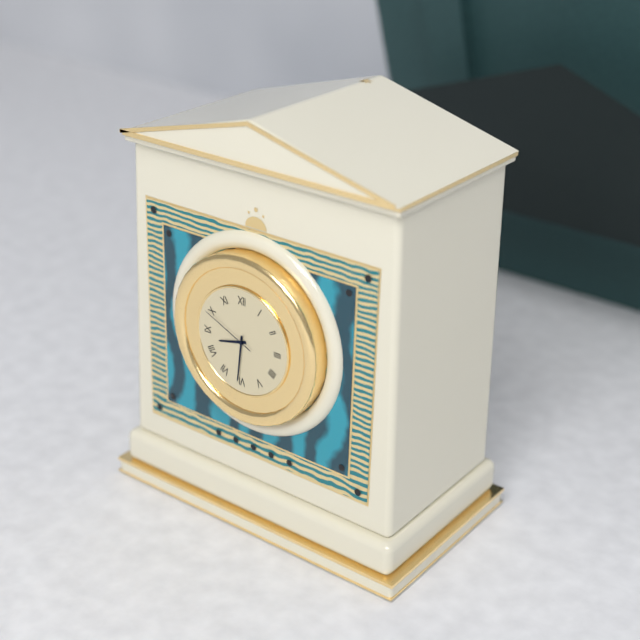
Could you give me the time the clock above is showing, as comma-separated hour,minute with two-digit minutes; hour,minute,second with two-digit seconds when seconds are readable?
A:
8,31,49
